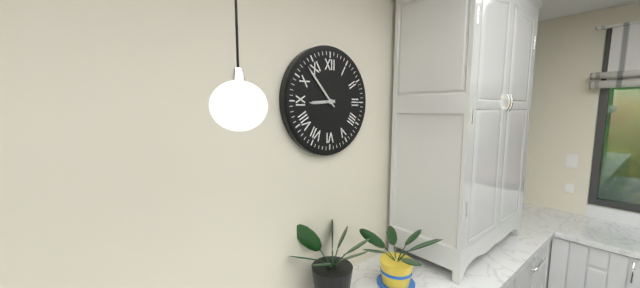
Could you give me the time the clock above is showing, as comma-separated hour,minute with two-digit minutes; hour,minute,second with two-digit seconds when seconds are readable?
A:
8,53
